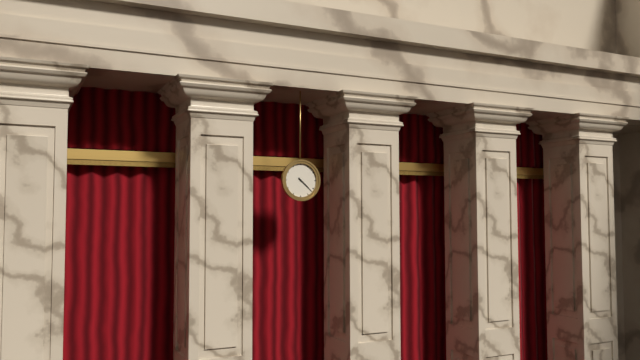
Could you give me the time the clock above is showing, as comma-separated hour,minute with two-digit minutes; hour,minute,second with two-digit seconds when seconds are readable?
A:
4,22
